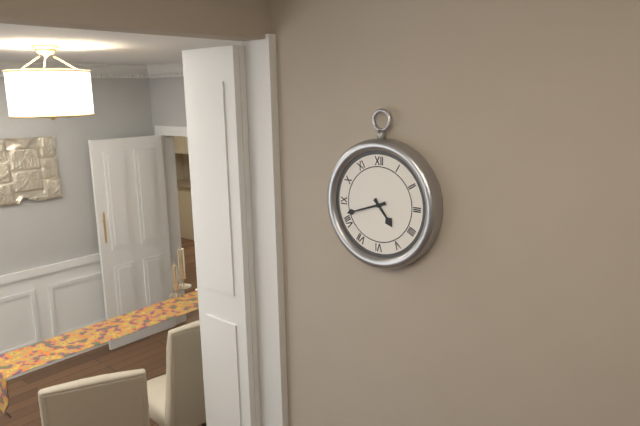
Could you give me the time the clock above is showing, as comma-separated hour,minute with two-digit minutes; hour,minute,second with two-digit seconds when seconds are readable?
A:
4,42
